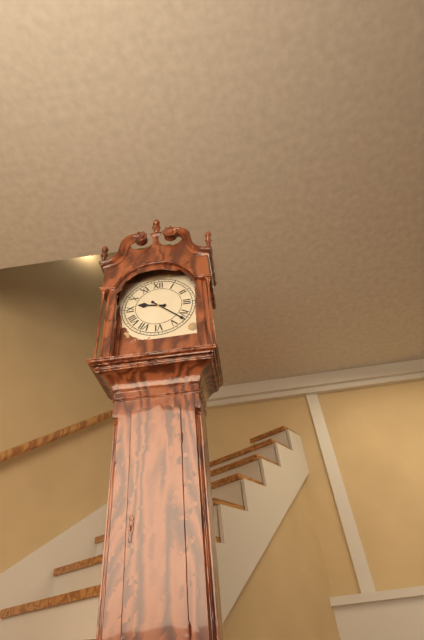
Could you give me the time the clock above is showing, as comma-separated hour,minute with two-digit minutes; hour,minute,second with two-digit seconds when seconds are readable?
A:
9,22
